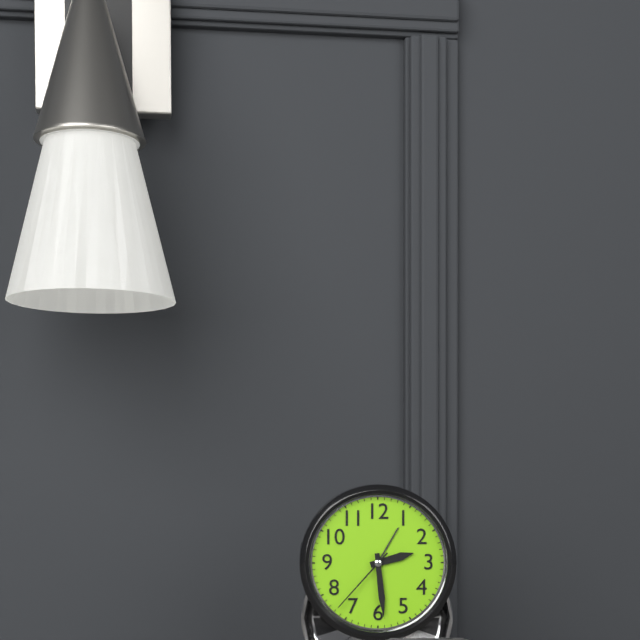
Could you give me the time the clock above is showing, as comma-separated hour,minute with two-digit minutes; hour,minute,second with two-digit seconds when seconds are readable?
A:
2,29,37
